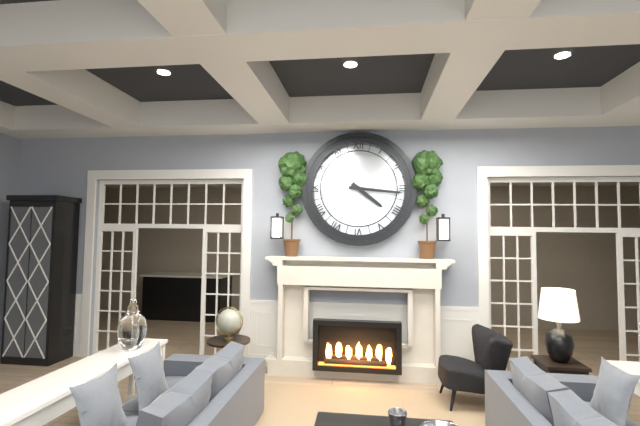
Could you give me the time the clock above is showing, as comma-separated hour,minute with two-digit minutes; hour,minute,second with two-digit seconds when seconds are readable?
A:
4,16
